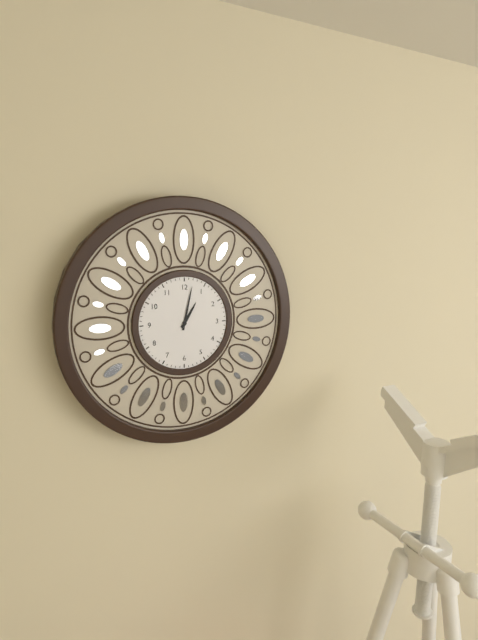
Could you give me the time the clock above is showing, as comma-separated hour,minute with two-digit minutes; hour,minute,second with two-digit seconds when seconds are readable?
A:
1,02
